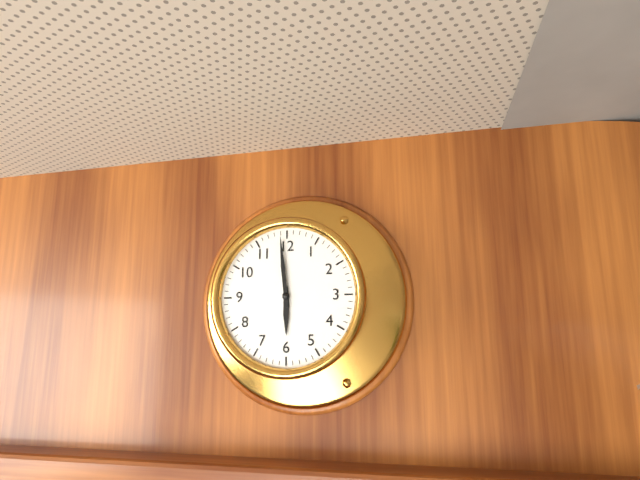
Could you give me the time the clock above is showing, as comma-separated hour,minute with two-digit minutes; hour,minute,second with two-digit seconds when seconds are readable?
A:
5,59
